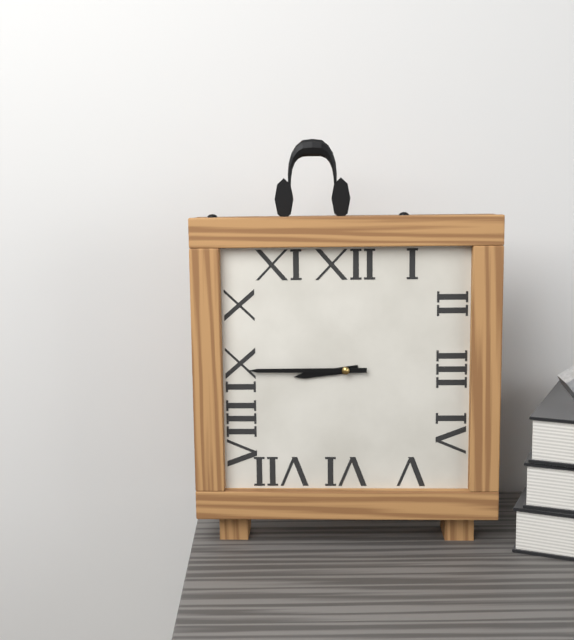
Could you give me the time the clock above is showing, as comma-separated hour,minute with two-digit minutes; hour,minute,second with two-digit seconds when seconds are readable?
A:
8,45
